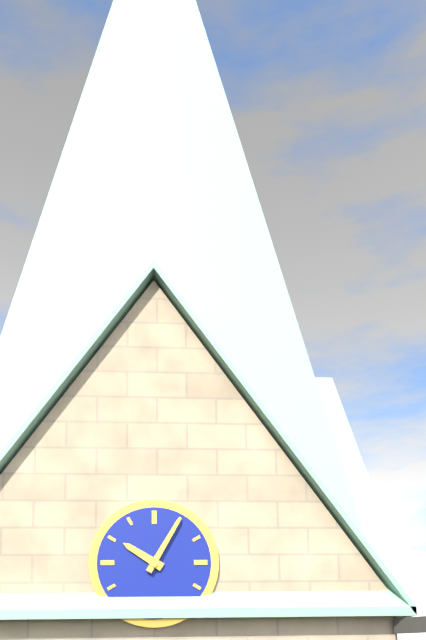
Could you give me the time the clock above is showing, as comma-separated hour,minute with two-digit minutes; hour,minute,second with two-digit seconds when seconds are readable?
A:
10,05
